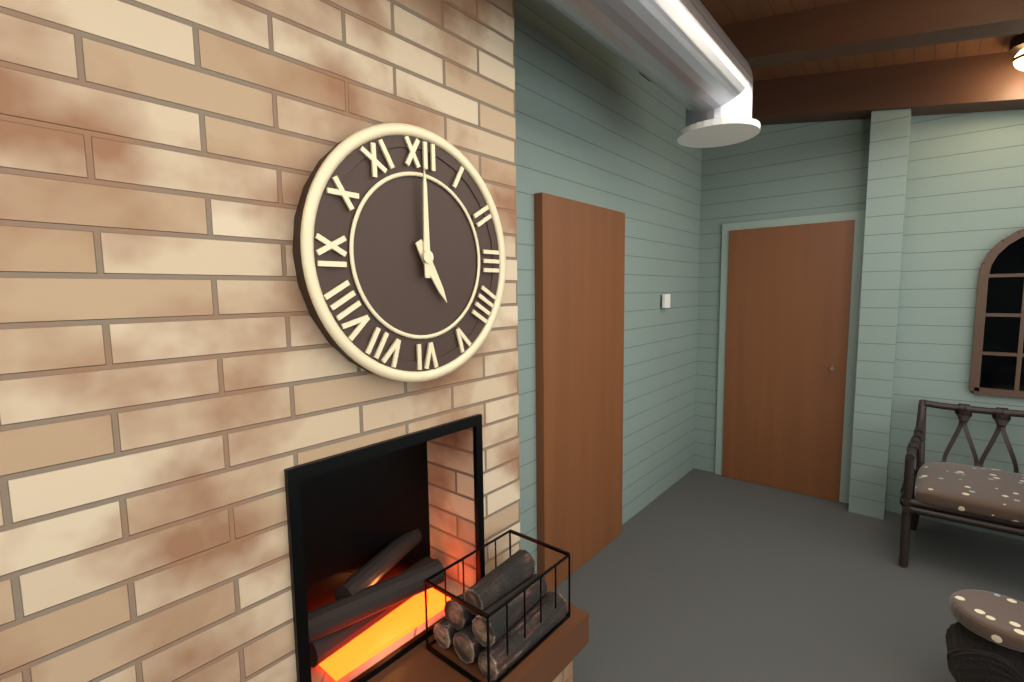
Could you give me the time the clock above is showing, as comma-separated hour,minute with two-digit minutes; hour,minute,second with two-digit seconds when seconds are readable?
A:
5,00
